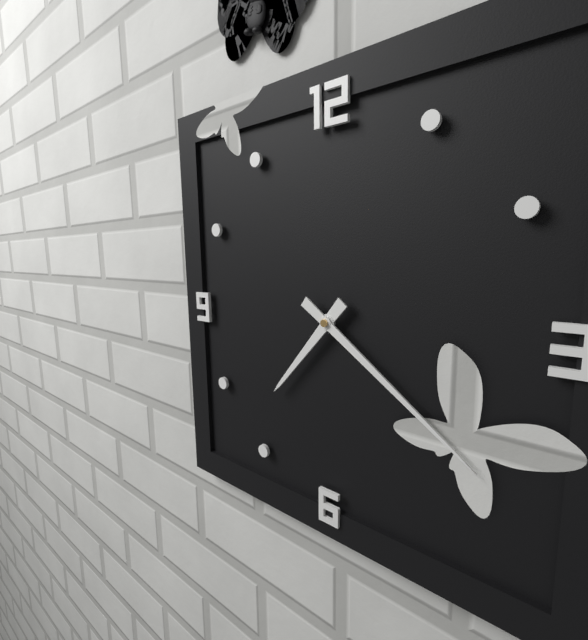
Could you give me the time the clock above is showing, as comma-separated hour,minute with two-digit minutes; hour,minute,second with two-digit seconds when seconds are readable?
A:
7,21
